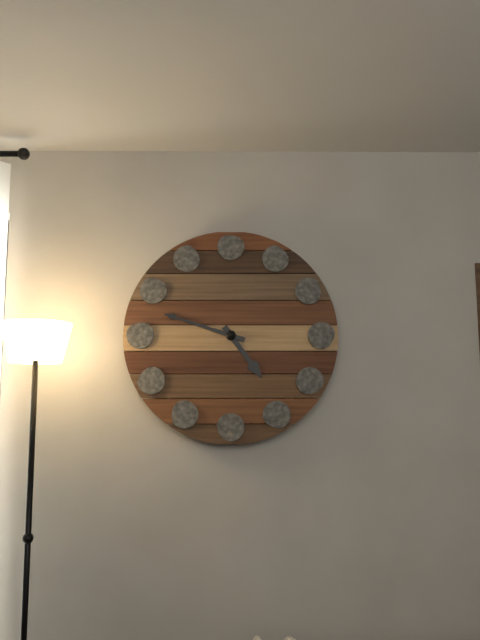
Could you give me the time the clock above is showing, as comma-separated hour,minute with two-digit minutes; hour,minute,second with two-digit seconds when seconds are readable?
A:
4,48
